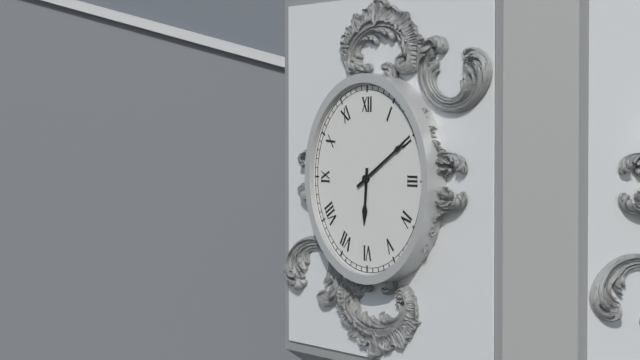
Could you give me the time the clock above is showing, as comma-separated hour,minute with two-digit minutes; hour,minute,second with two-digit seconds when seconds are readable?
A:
6,10
